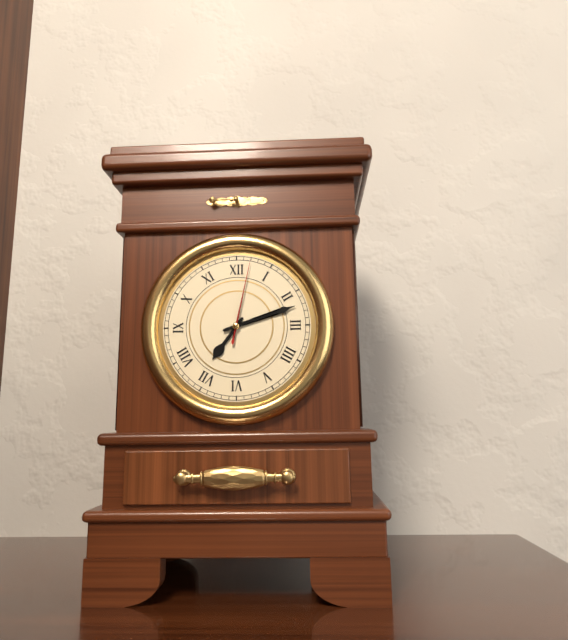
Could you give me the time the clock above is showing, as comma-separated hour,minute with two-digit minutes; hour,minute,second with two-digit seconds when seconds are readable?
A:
7,12,02
